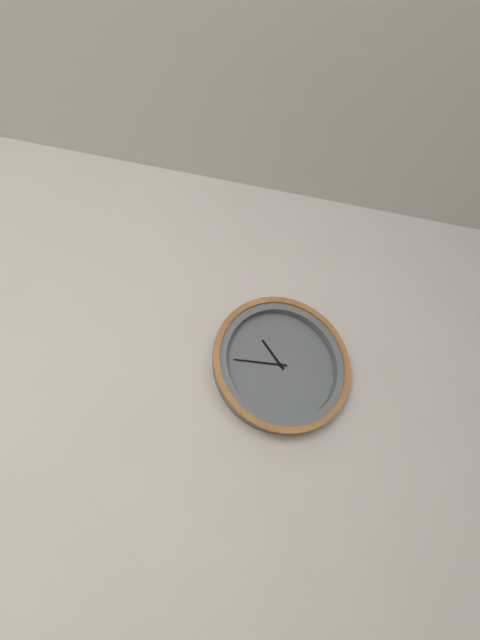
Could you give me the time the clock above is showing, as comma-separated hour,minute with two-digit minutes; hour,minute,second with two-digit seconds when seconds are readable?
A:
10,45
